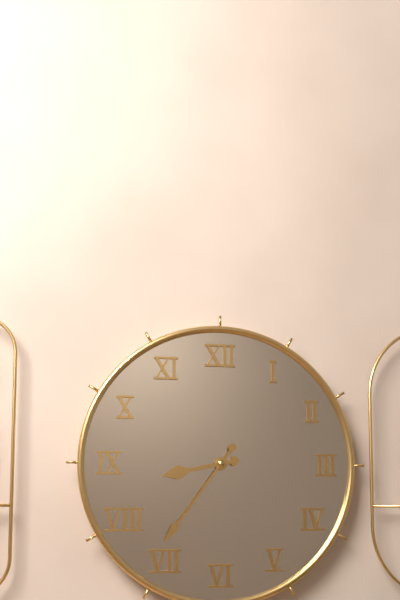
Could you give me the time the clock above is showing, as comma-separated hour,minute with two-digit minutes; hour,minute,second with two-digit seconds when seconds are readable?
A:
8,36
